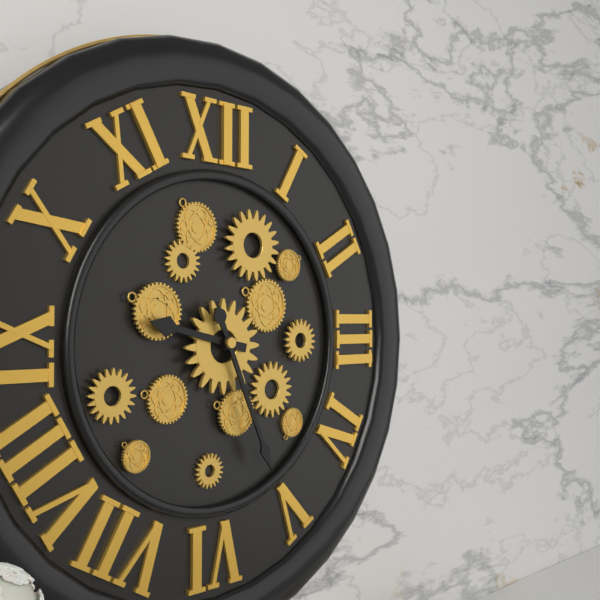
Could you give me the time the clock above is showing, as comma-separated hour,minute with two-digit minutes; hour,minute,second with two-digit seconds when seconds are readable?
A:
9,26
